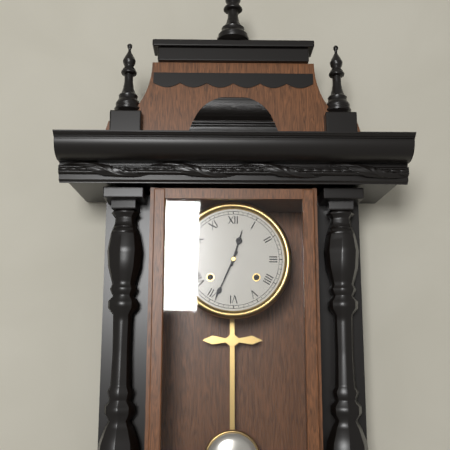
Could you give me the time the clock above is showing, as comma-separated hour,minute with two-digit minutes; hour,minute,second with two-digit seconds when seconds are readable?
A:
12,34
